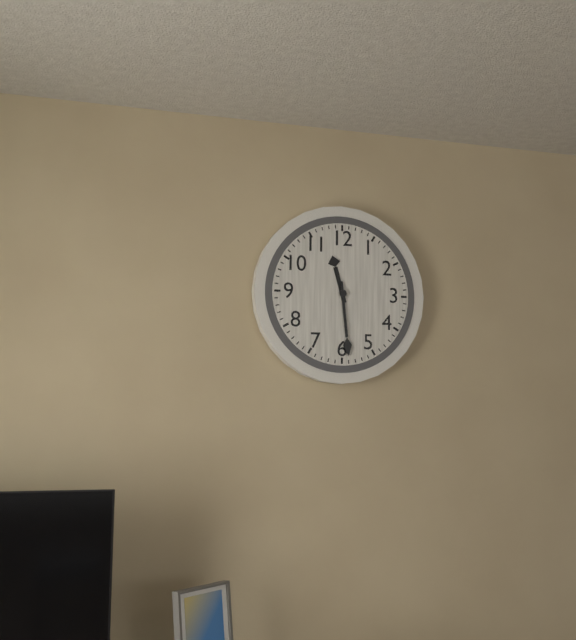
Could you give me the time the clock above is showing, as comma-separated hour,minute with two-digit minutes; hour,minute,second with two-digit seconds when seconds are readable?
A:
11,29
